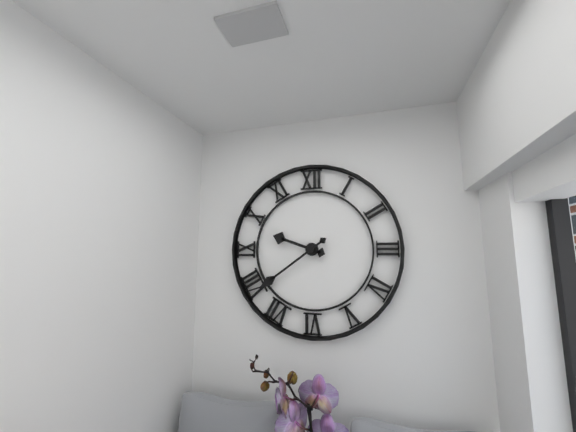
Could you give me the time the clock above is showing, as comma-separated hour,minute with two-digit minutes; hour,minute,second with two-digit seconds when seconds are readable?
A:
9,39
